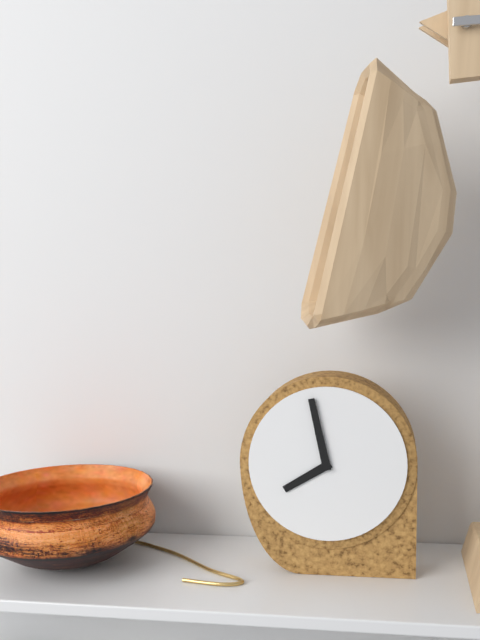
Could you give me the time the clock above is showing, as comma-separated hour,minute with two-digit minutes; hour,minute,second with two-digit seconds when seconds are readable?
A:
7,58
